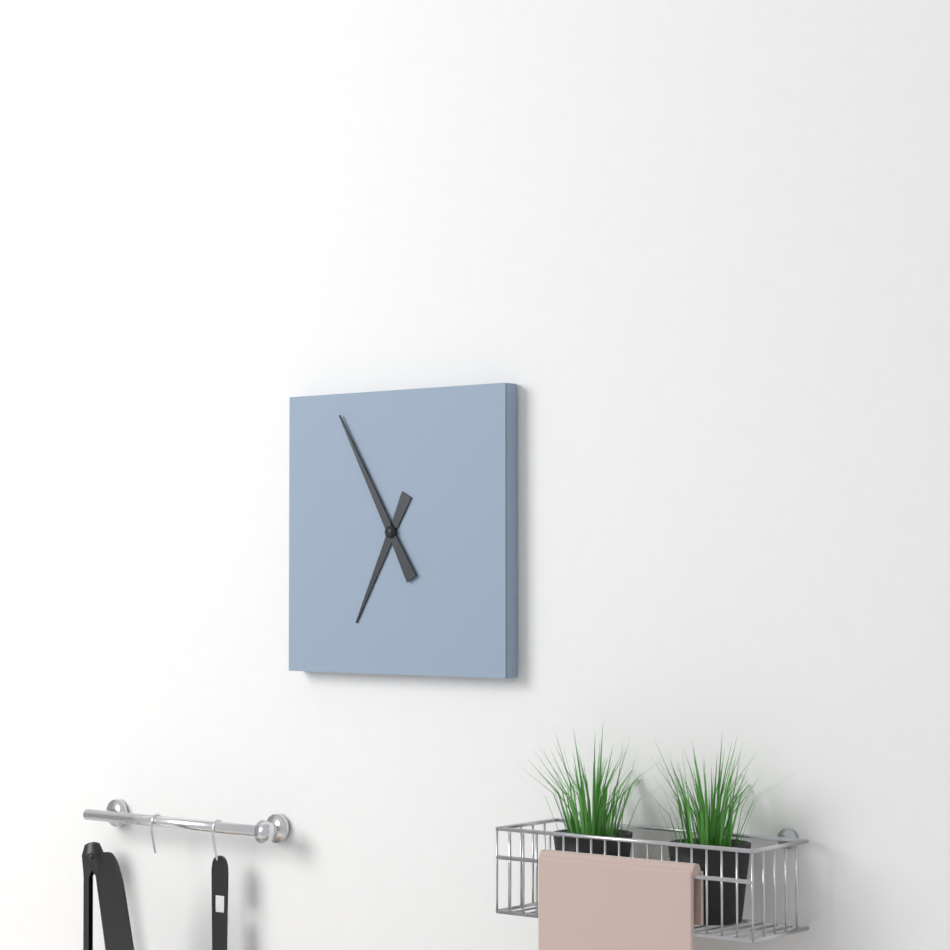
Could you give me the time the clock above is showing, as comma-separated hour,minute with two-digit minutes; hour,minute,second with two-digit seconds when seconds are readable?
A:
6,55
